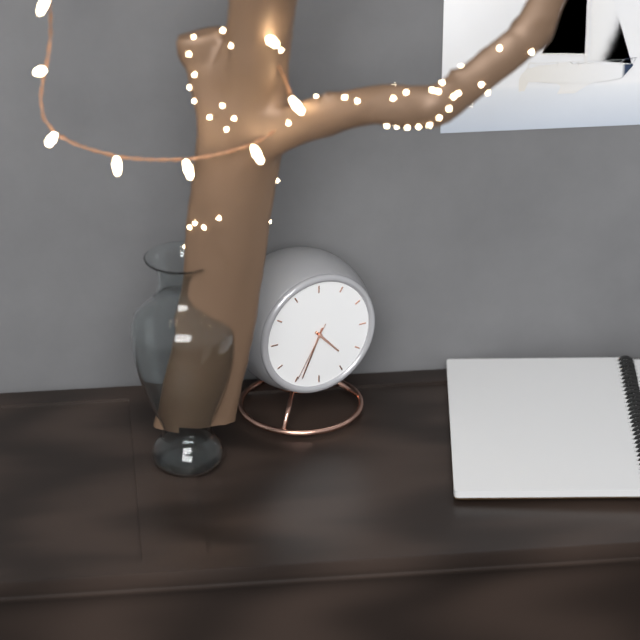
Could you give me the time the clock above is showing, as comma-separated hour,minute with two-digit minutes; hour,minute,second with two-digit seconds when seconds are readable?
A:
4,34,35
